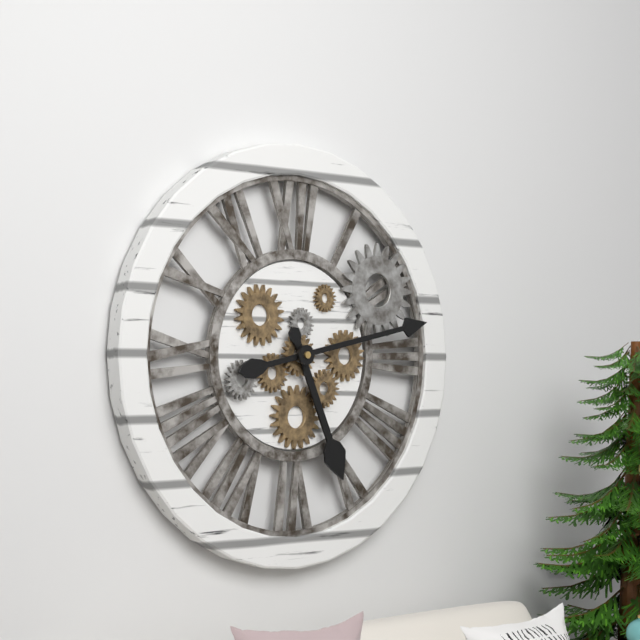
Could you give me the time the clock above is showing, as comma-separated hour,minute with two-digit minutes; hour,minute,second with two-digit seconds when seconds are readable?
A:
5,13
